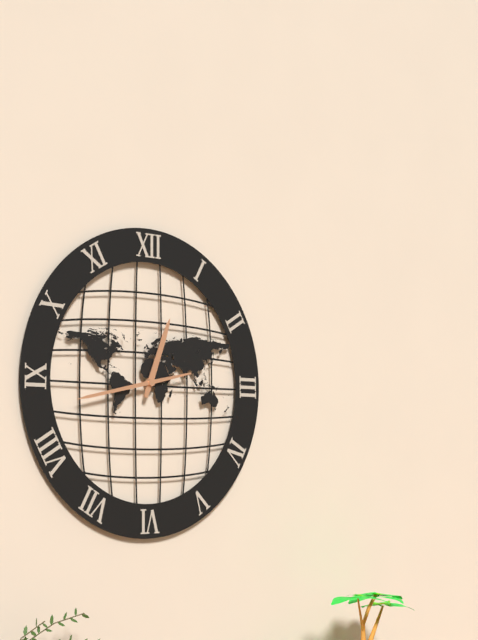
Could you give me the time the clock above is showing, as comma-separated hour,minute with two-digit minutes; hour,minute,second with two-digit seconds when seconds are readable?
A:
12,43
